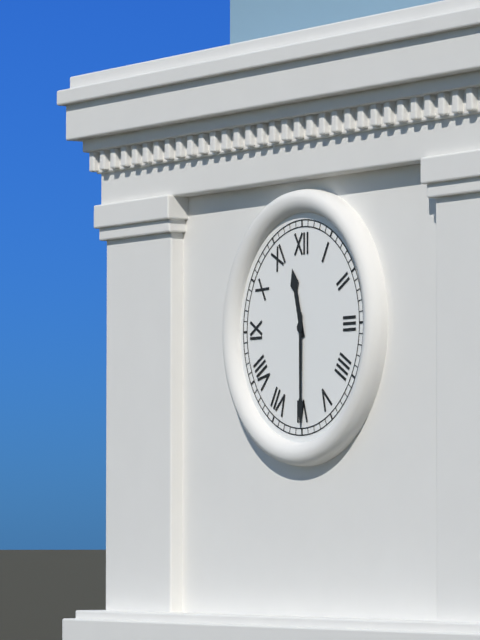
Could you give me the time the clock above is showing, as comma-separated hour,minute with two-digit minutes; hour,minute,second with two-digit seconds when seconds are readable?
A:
11,30
